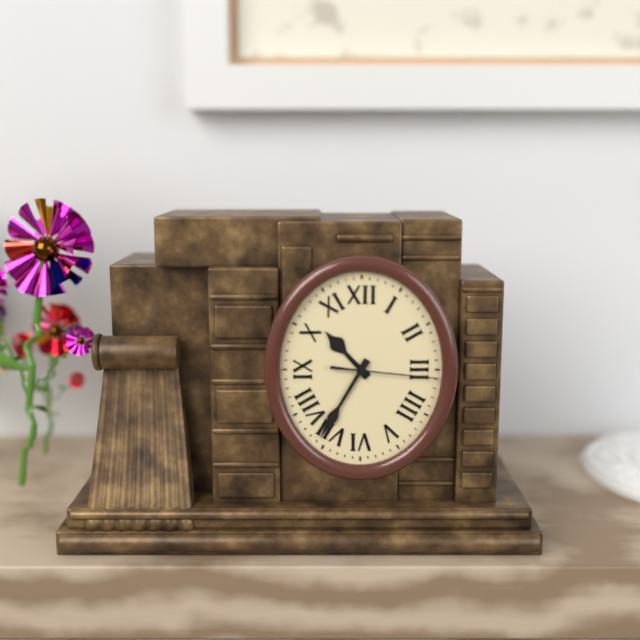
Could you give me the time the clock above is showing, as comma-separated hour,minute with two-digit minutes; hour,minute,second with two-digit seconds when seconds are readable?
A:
10,35,16
